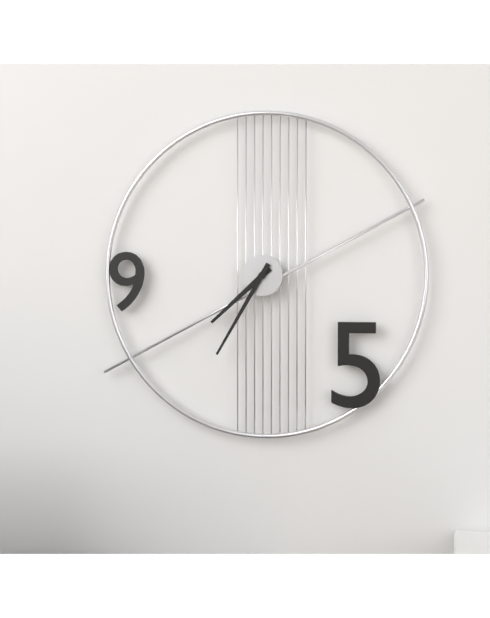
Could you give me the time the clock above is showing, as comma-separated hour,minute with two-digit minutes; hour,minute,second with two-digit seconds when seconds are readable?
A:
7,35
